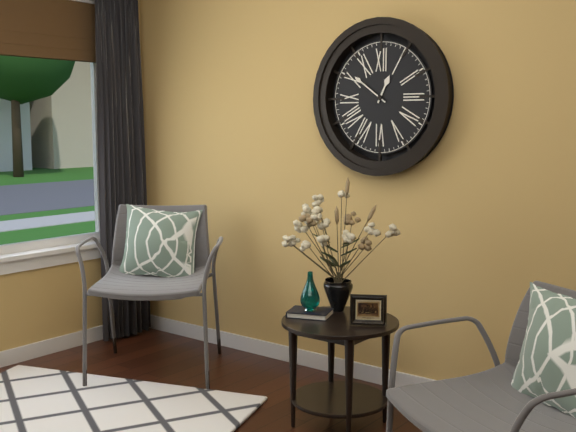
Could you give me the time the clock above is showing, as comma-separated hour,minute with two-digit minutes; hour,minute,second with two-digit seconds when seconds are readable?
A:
12,51
